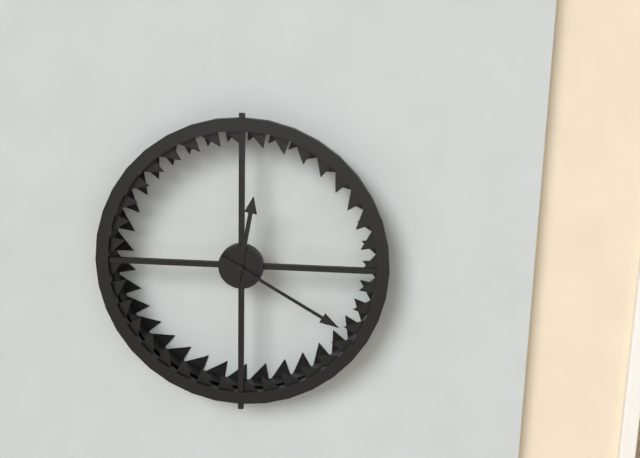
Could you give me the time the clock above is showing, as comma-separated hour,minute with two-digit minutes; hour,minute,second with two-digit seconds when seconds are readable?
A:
12,20
